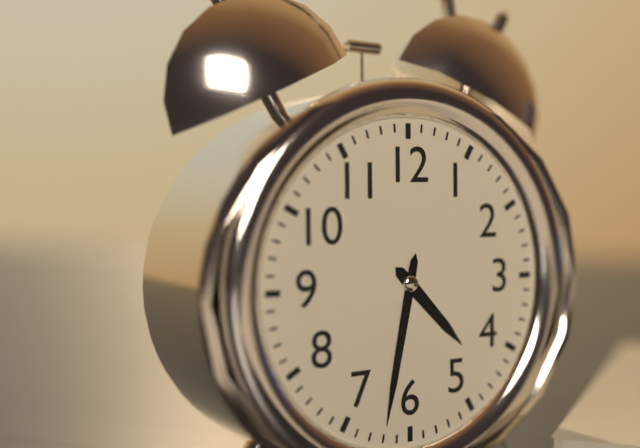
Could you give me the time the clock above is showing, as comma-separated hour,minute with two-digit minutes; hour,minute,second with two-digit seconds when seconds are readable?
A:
4,32
